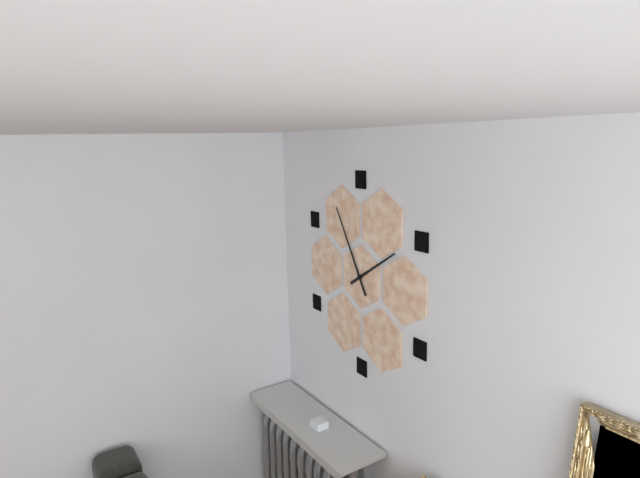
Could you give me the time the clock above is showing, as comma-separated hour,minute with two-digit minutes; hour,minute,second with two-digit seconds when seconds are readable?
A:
1,55
